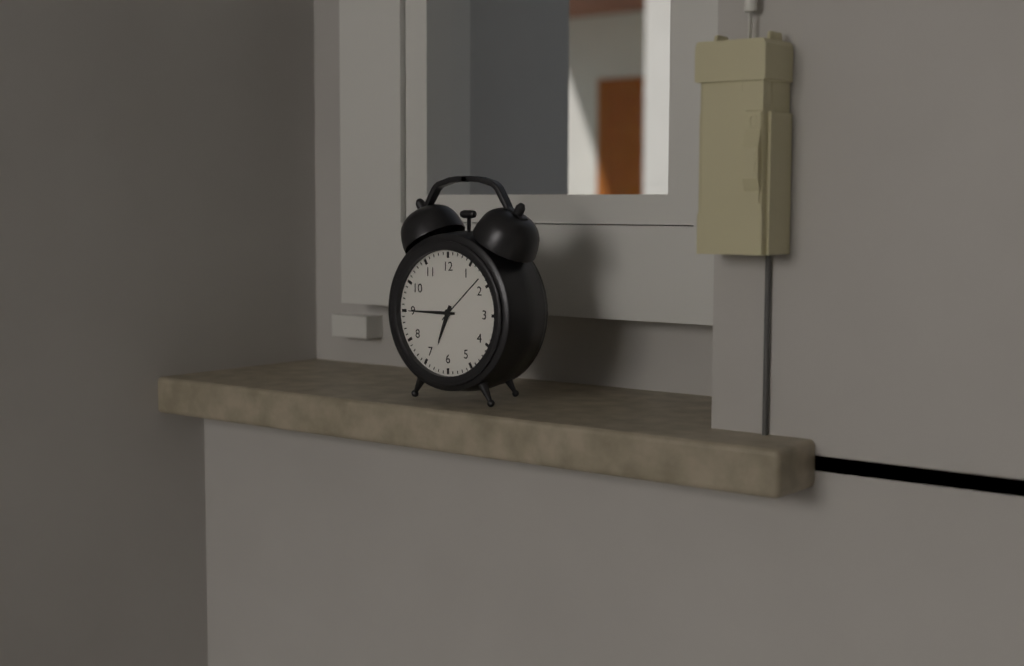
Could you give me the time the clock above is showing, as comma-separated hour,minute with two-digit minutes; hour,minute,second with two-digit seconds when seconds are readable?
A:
6,45
